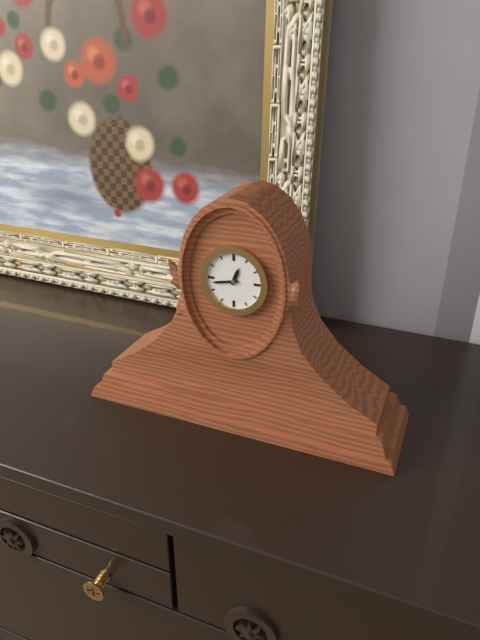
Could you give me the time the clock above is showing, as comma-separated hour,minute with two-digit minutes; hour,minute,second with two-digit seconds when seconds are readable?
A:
12,43
